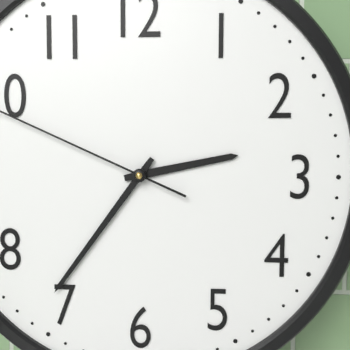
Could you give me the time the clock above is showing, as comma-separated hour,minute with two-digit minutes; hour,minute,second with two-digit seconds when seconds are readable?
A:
2,36
